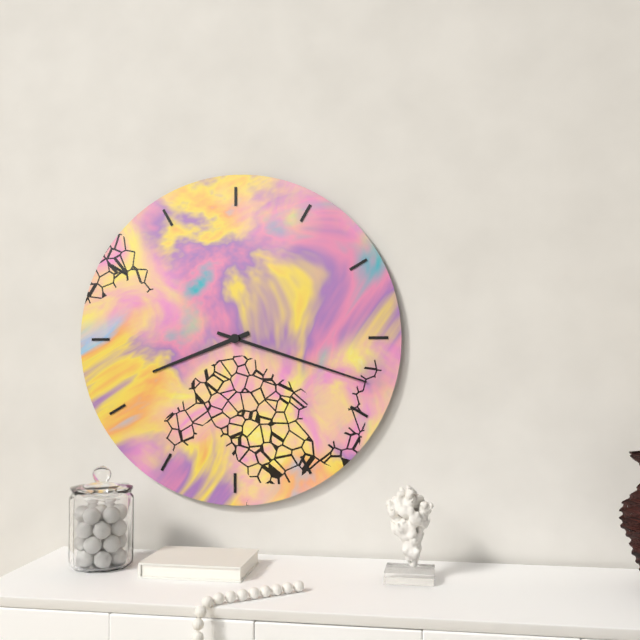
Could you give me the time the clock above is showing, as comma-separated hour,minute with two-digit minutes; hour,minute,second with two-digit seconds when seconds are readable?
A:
8,18
